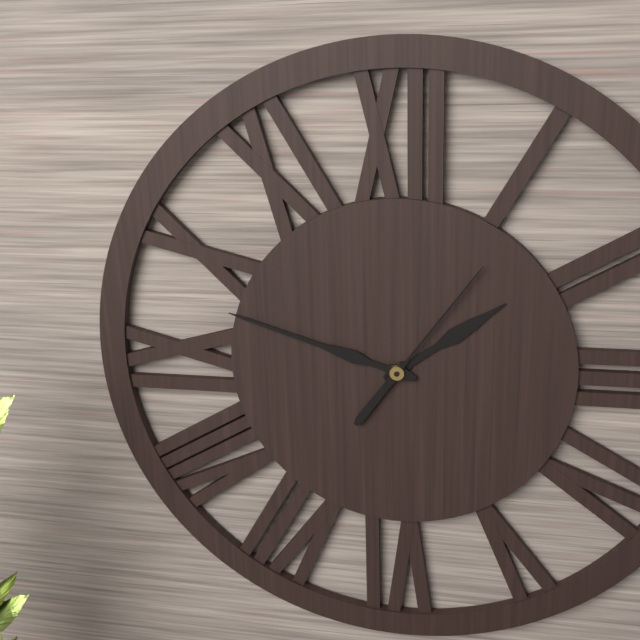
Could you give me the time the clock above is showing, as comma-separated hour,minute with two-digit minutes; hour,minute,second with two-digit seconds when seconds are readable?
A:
1,48,06
